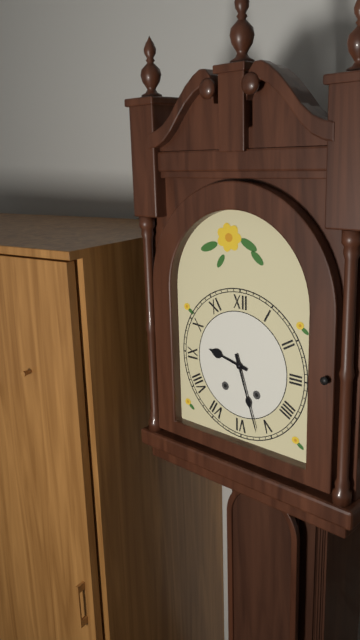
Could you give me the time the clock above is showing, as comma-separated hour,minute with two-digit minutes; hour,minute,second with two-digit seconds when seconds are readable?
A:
9,27
